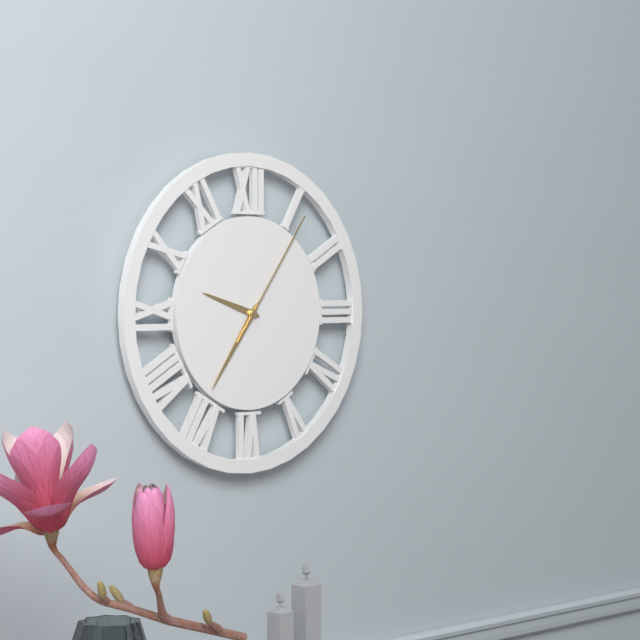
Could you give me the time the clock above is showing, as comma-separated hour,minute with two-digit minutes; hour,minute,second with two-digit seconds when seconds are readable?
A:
9,36,06
